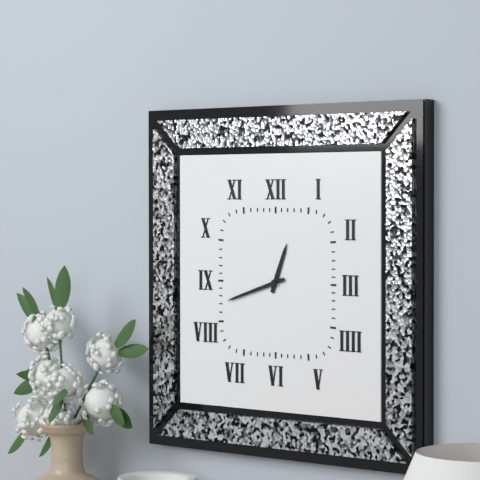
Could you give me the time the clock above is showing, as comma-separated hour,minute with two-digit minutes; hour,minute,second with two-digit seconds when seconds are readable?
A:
12,42
